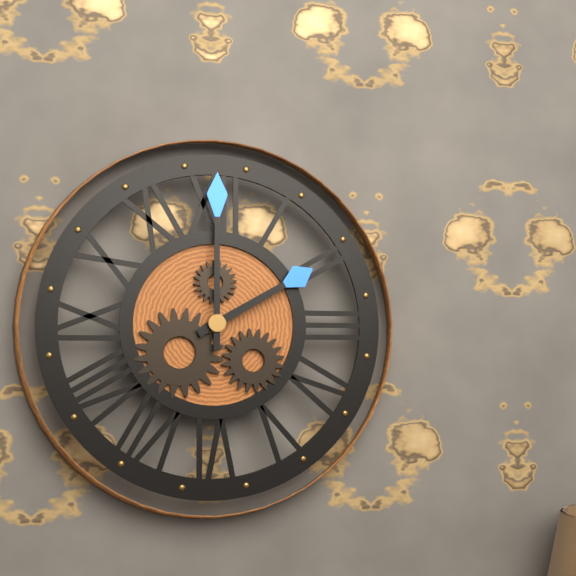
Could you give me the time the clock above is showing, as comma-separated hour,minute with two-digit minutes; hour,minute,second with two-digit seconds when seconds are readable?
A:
2,00
